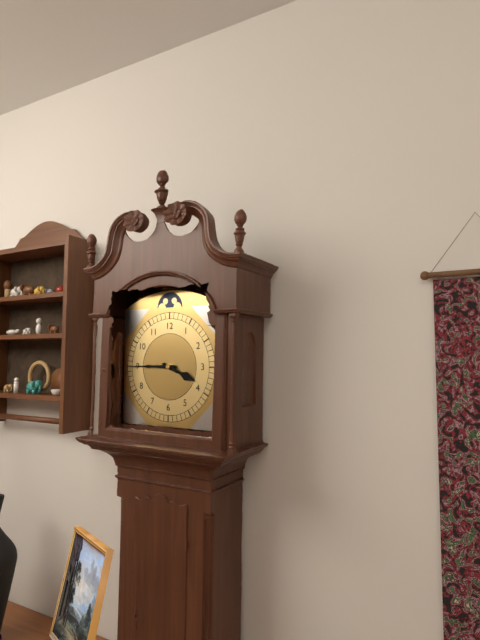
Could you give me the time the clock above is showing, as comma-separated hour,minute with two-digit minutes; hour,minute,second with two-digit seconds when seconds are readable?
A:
3,45
